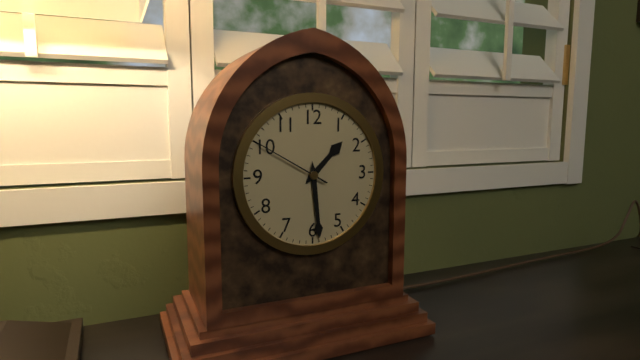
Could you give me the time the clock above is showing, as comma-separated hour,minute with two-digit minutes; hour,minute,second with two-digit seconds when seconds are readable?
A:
1,29,50
